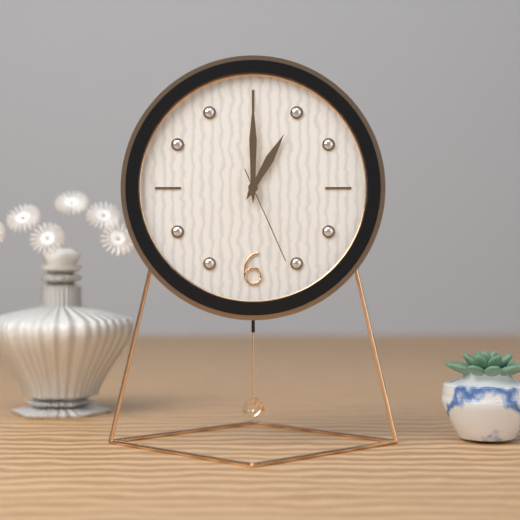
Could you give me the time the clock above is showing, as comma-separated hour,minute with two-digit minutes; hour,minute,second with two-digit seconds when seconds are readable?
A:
1,00,26
